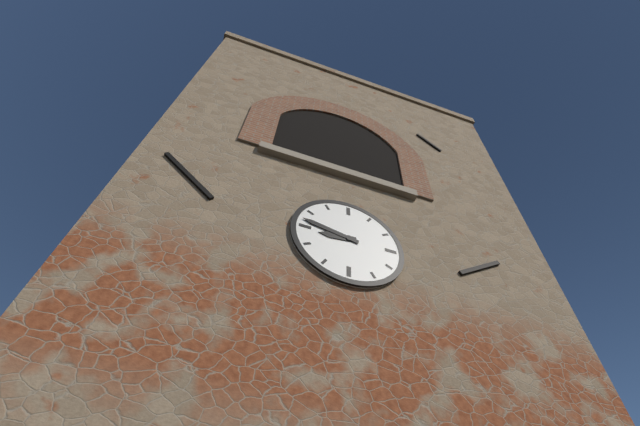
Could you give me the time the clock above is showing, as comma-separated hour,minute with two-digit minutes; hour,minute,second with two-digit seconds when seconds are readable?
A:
8,47
